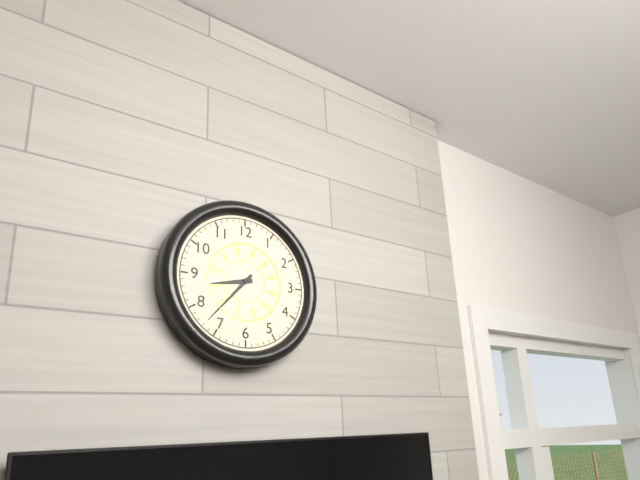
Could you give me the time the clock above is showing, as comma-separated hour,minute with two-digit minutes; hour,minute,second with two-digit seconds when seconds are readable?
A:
8,37
